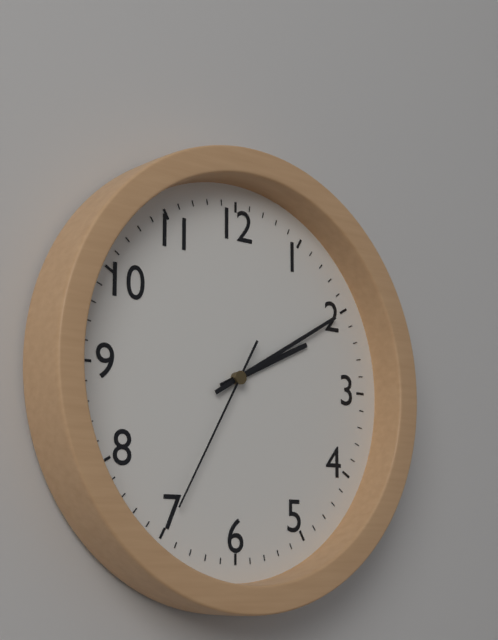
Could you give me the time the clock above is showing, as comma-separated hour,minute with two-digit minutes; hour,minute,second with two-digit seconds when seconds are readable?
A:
2,10,35
